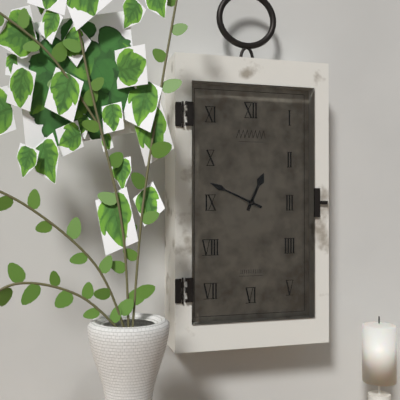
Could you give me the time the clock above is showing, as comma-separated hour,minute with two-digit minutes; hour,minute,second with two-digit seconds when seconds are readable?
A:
12,49
